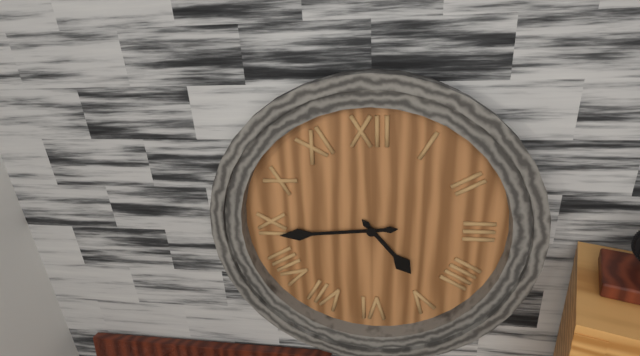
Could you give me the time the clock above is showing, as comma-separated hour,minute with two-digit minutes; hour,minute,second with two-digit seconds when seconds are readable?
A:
4,44
